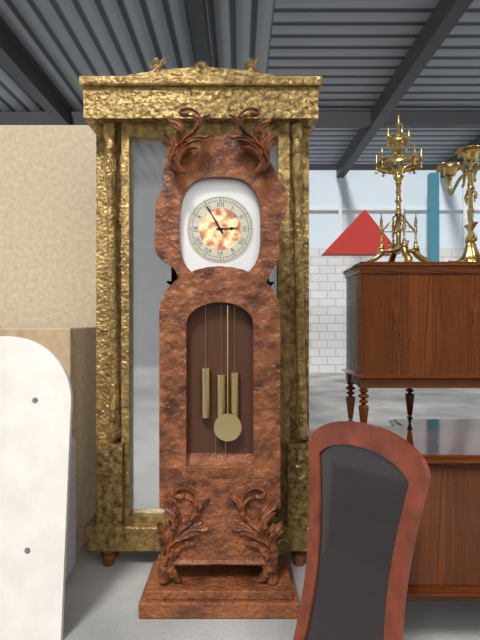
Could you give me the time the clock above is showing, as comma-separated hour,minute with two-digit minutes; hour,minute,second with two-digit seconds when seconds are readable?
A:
2,55
